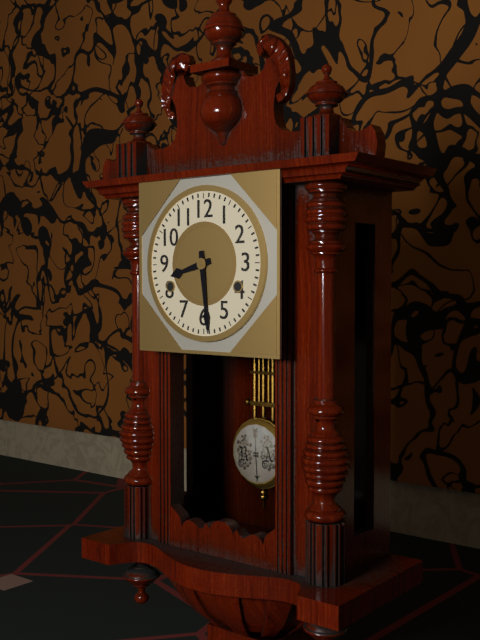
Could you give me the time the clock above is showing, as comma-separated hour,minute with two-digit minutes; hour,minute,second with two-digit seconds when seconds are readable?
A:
8,29
